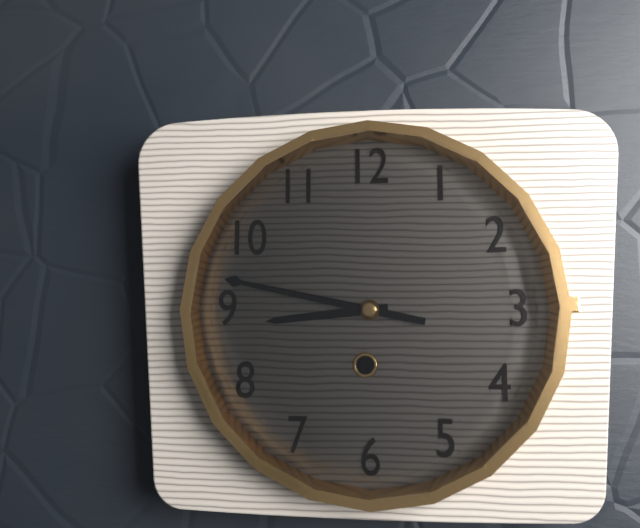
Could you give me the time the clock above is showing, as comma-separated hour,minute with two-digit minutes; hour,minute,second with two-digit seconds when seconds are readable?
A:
8,47
